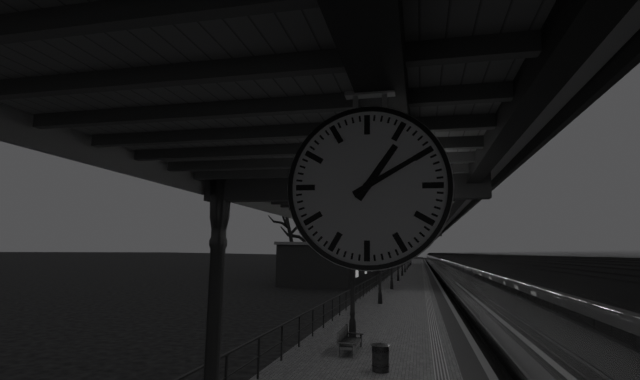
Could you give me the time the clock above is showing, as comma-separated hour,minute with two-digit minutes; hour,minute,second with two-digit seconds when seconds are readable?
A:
1,10
